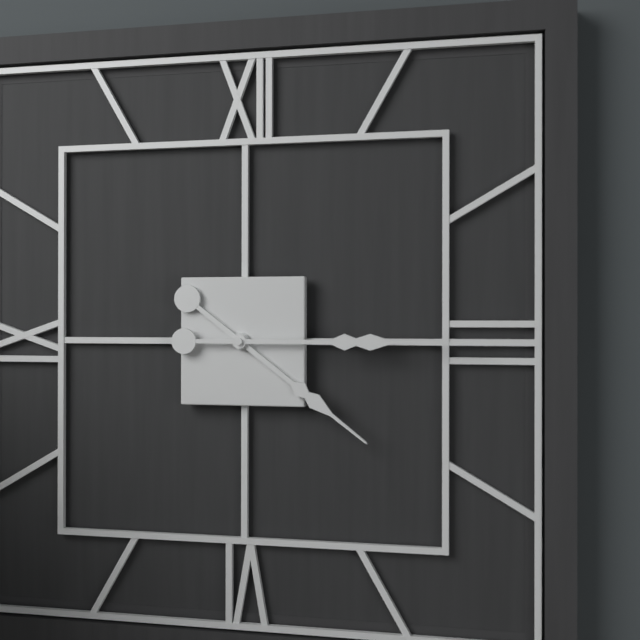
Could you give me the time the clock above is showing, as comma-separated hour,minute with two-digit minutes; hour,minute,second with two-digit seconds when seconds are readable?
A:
4,15
